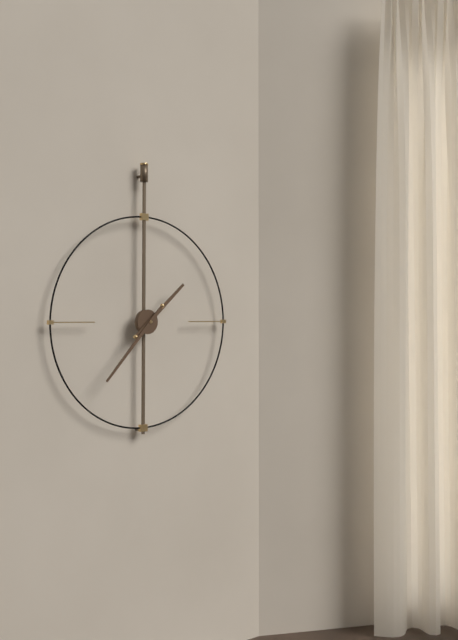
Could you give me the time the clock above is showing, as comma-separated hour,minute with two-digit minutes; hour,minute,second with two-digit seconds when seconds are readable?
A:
1,37
